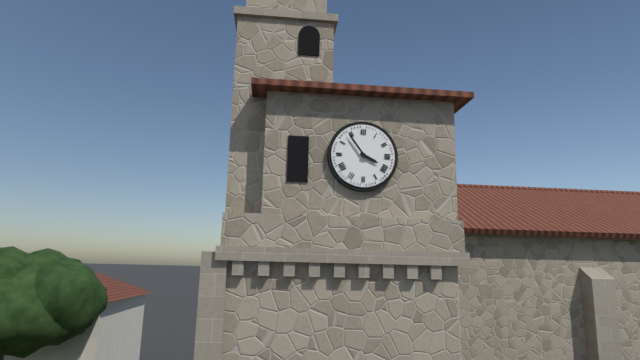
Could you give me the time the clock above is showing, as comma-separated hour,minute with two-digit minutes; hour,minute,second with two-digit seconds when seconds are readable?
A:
3,54
